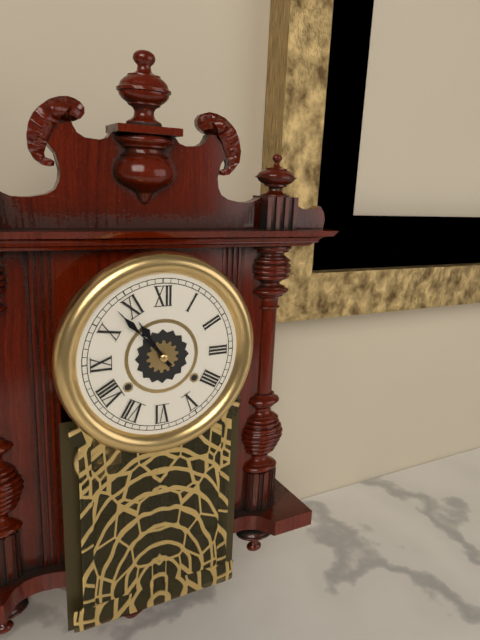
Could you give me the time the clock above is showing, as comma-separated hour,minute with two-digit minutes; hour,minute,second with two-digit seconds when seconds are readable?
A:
10,53
